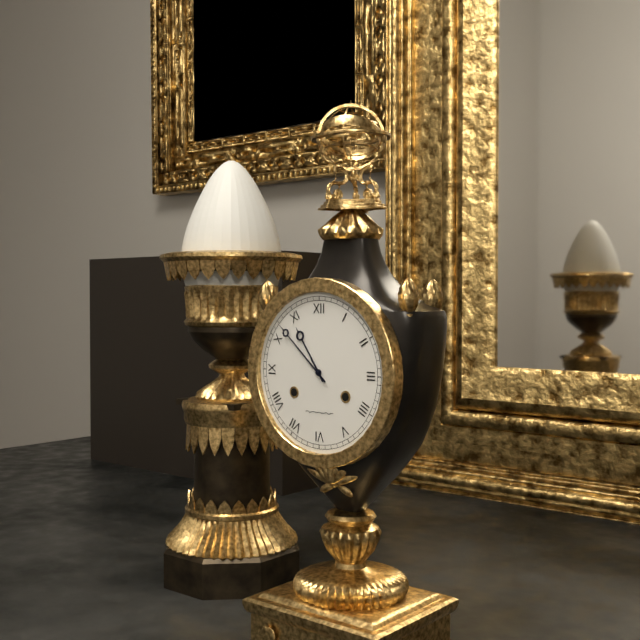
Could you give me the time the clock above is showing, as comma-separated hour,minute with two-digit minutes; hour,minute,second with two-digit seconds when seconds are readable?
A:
10,52
